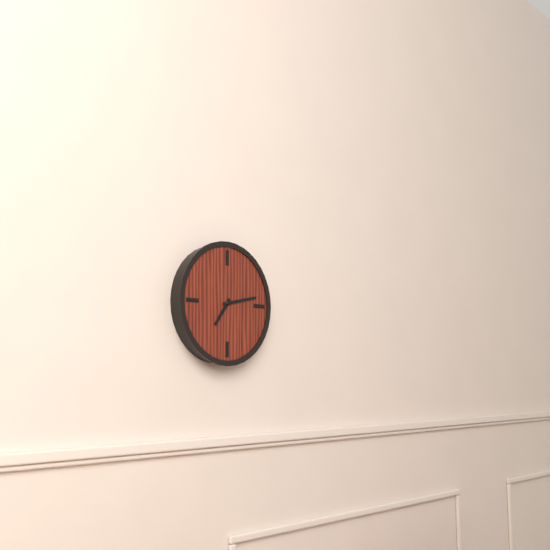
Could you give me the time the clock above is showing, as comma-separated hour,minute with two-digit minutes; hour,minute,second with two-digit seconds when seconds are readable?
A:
7,13
